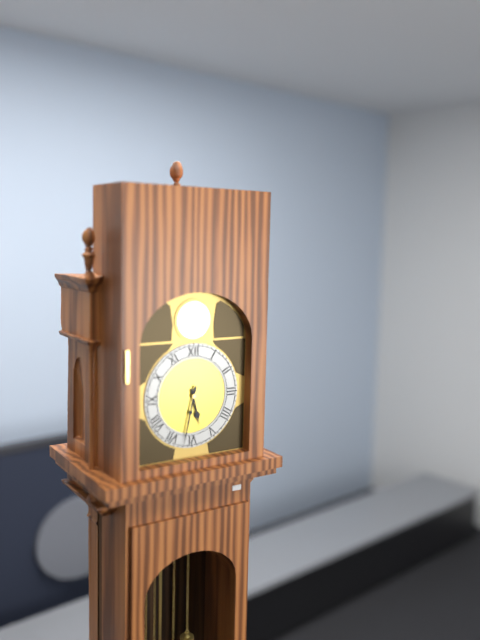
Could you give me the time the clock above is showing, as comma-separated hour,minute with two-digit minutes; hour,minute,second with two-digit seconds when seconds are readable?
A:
5,32
